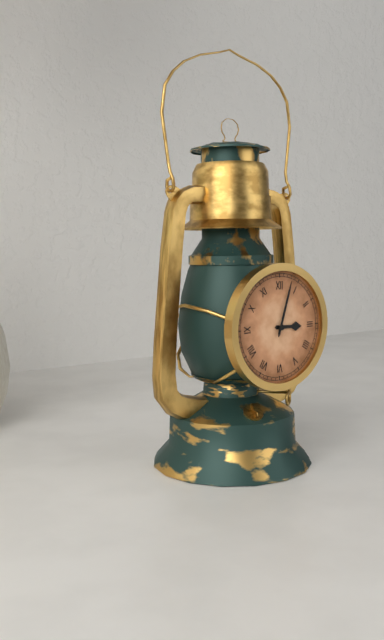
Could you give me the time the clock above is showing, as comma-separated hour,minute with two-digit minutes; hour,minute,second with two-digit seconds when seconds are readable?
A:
3,03
